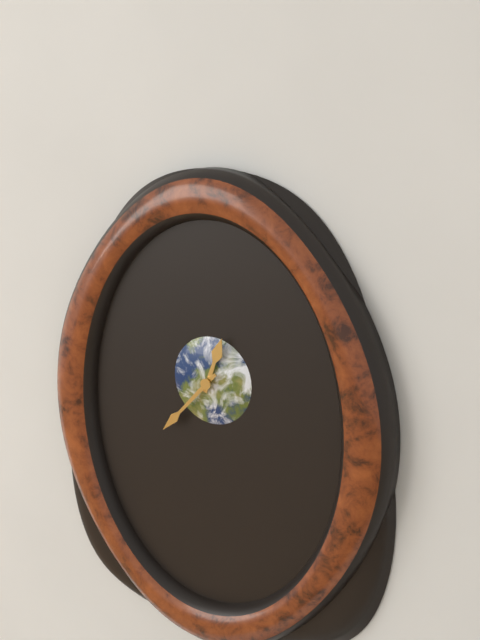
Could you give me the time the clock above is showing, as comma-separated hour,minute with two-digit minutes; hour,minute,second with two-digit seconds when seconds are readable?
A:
12,37
